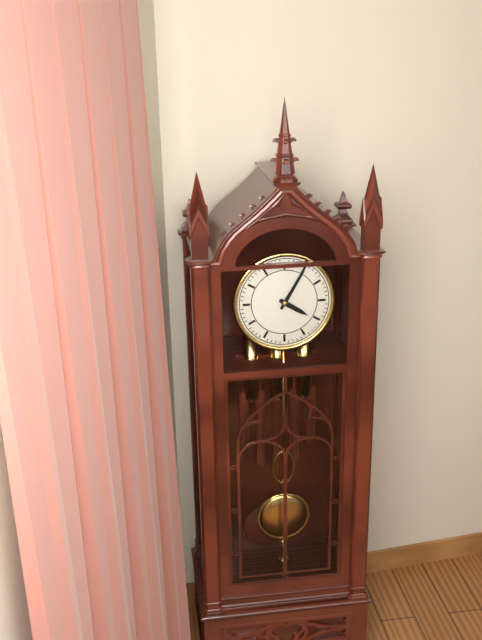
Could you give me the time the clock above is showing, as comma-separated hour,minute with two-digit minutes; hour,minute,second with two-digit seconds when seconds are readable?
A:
4,05
